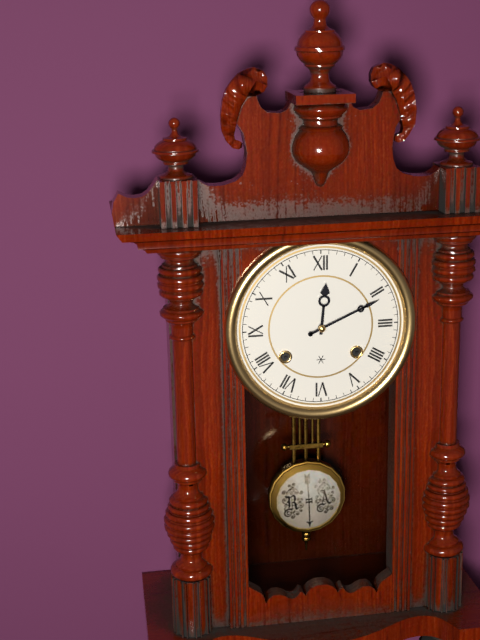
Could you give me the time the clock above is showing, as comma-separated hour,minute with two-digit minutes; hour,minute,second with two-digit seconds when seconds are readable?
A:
12,11
